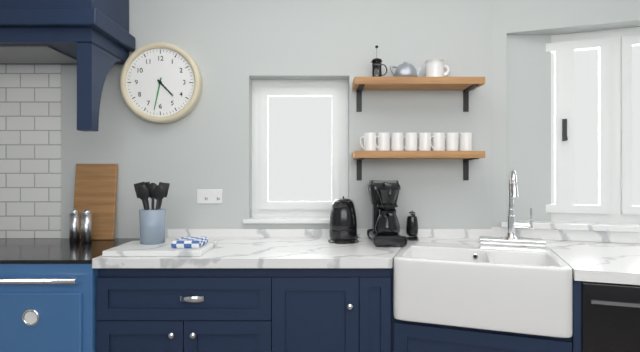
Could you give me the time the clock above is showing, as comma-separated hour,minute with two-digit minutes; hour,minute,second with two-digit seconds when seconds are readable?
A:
4,32
